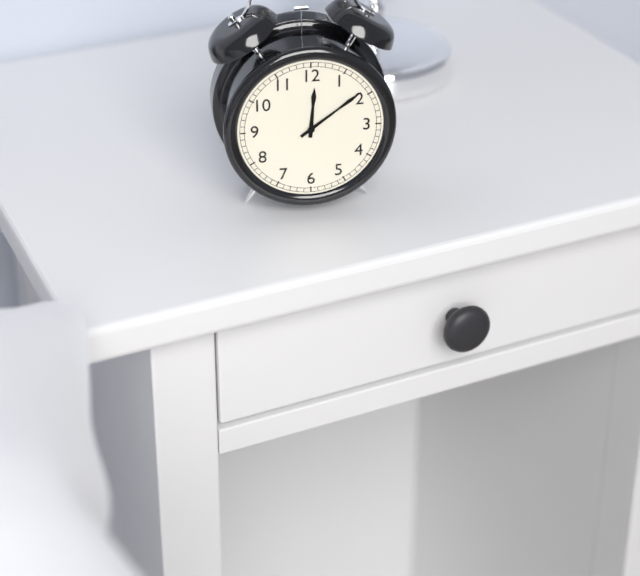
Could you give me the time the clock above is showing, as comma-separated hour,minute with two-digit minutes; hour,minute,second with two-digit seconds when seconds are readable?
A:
12,09
